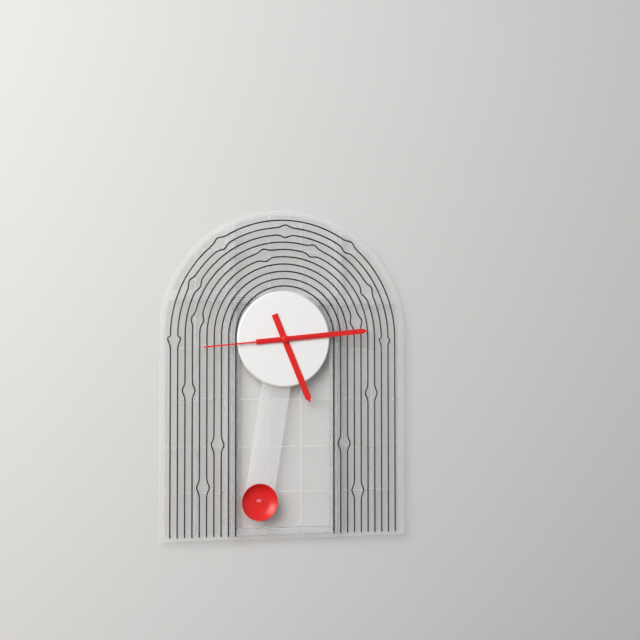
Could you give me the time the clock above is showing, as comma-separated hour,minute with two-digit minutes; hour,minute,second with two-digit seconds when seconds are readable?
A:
5,14,44
